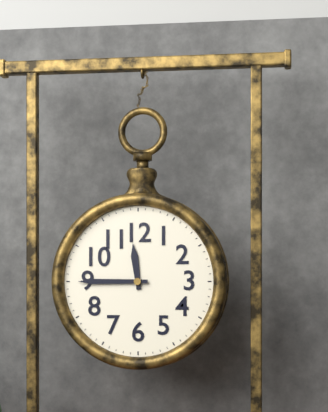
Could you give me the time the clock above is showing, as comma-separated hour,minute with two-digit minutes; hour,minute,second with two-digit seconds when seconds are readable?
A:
11,45
